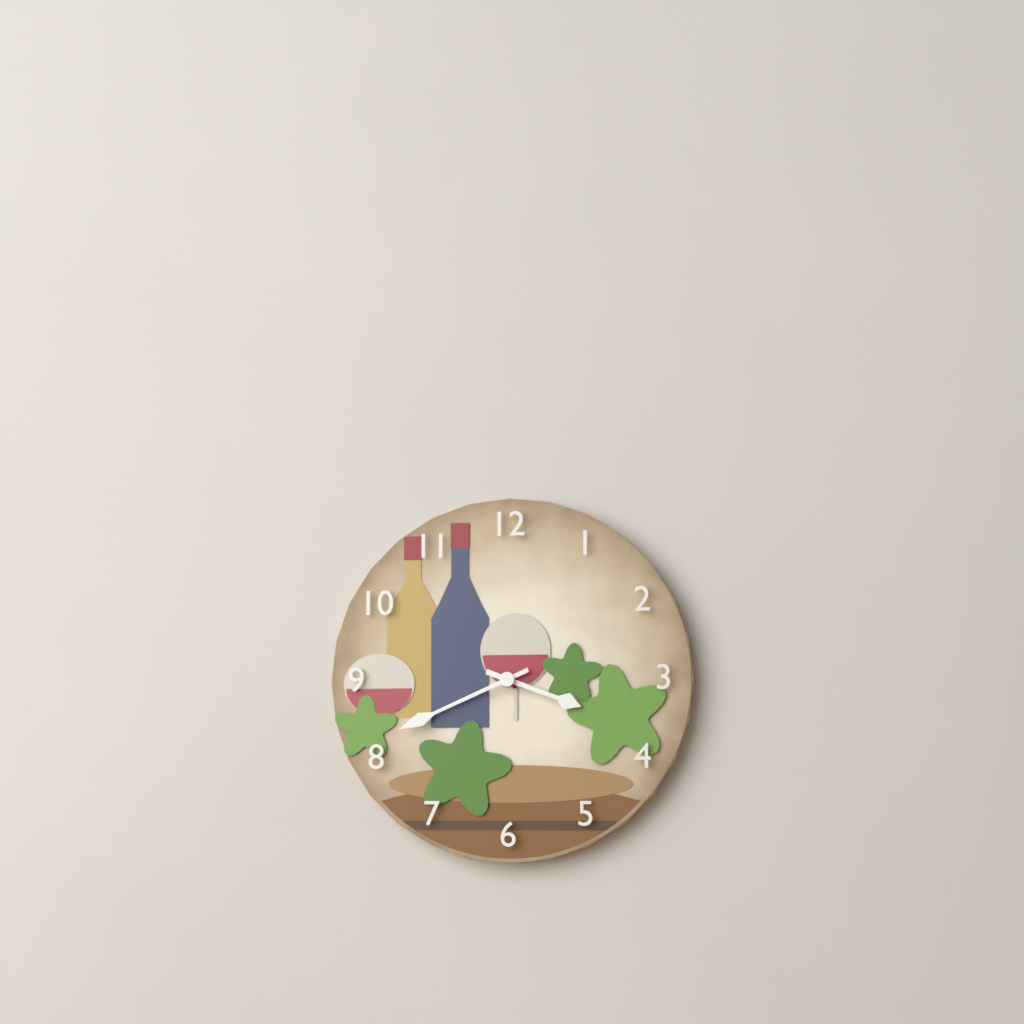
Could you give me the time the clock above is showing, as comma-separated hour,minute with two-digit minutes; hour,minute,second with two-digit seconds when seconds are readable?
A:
3,41
